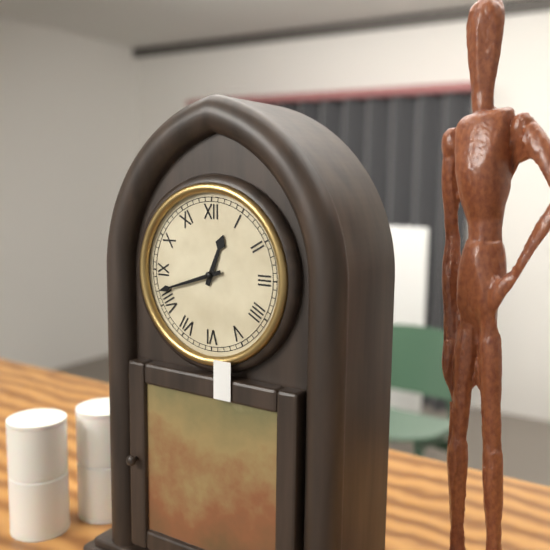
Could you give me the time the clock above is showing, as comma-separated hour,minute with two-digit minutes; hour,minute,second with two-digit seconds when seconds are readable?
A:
12,42
